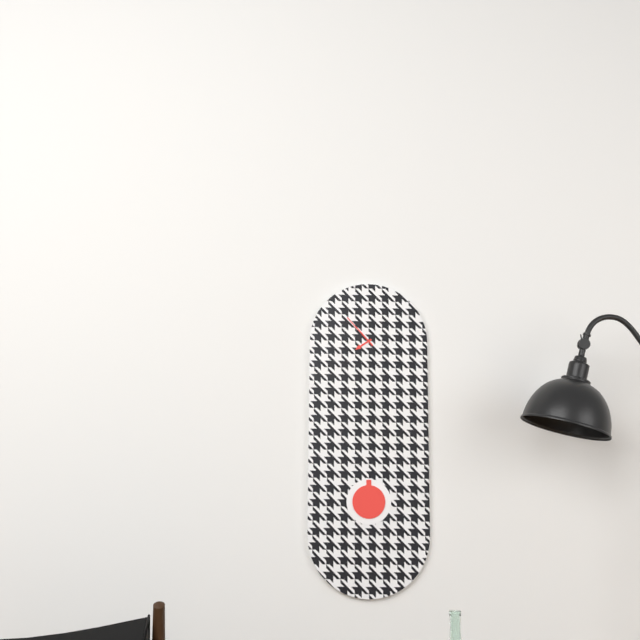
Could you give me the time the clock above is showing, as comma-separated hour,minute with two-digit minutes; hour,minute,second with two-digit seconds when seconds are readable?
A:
7,53
